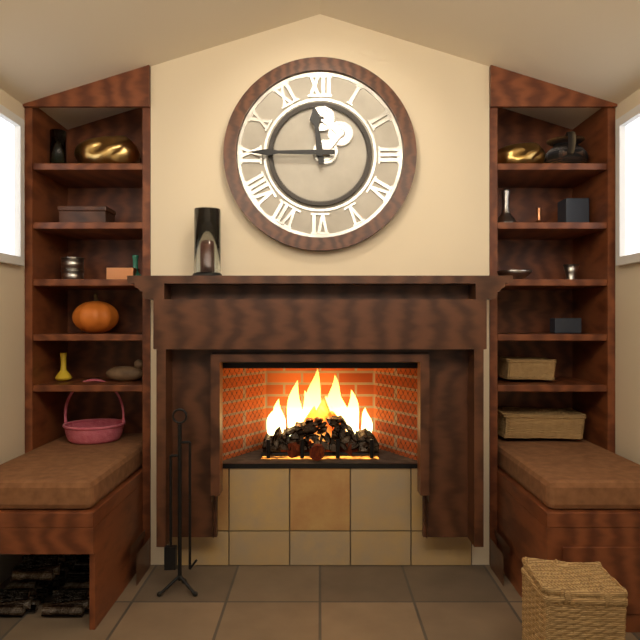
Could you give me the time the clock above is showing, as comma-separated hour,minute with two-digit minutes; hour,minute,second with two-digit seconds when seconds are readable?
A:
11,45
